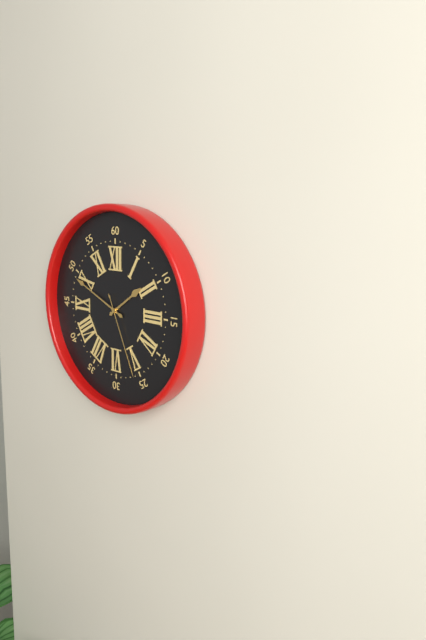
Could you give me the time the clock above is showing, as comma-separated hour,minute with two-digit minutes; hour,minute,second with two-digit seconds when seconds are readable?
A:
1,49,26
